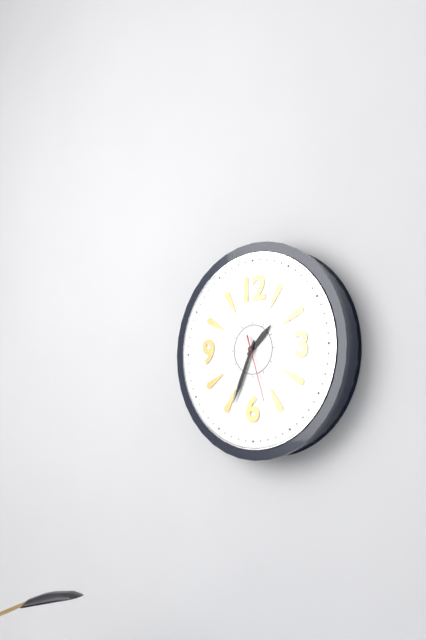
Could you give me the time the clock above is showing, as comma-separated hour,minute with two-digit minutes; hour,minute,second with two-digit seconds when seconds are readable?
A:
1,34,27
